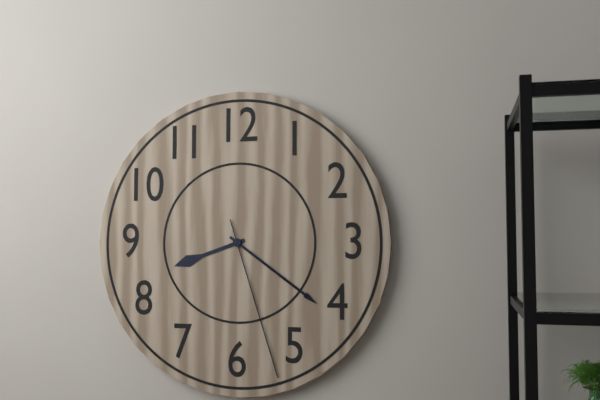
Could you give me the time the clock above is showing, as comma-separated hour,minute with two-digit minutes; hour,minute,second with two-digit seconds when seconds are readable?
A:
8,21,27
